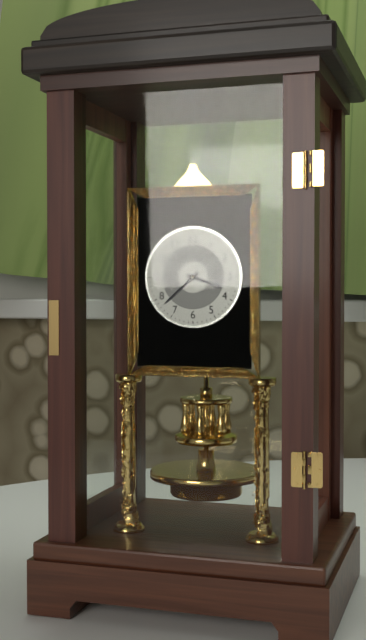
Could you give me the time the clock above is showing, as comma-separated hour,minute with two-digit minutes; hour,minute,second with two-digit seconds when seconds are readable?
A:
3,38
